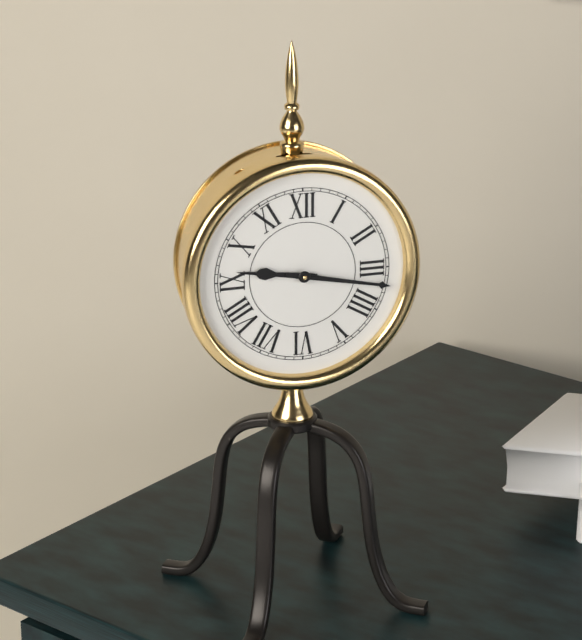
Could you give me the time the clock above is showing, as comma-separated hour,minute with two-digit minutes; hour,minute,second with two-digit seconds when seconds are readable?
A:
9,17
